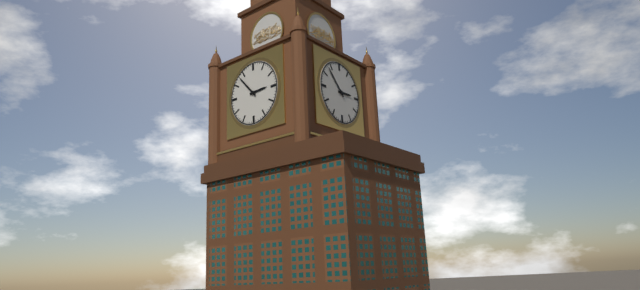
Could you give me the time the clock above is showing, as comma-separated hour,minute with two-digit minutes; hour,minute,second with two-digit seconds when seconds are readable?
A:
2,53
